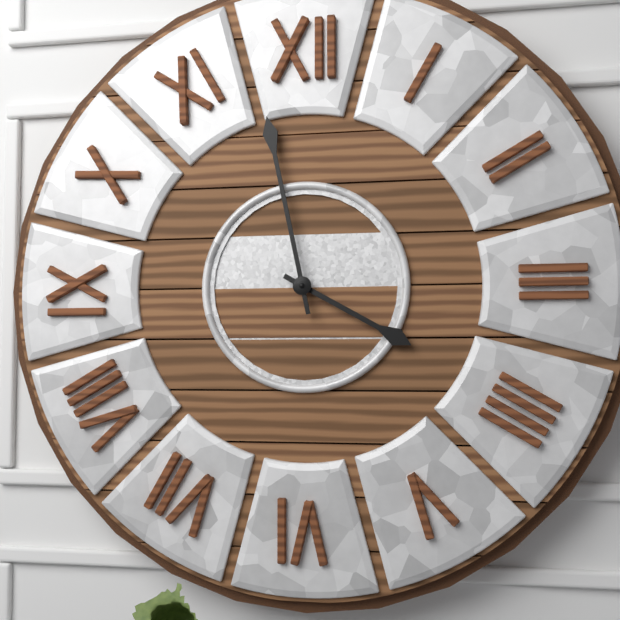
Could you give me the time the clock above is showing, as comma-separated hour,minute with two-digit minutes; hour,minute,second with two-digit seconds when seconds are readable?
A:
3,58
